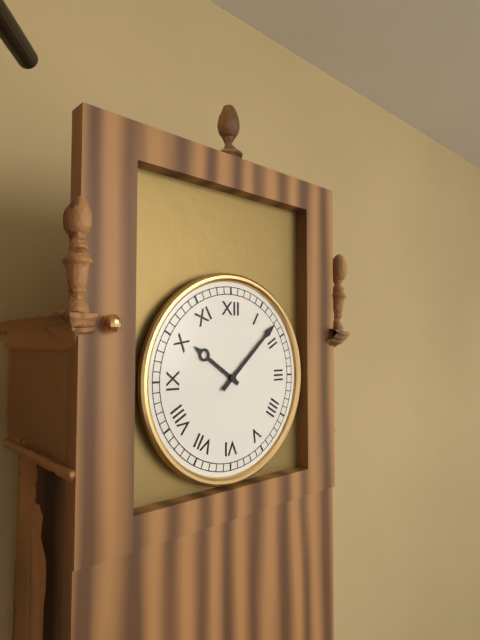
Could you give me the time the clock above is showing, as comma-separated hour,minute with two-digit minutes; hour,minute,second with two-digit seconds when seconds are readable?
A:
10,08
